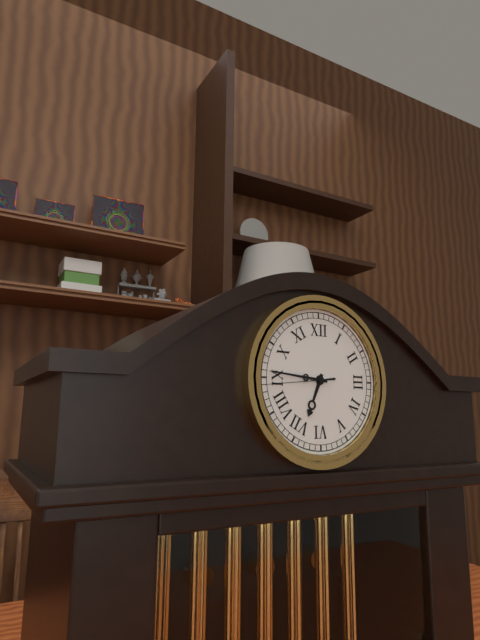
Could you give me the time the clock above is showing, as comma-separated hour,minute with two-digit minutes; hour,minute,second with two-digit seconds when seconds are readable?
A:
6,46,44
